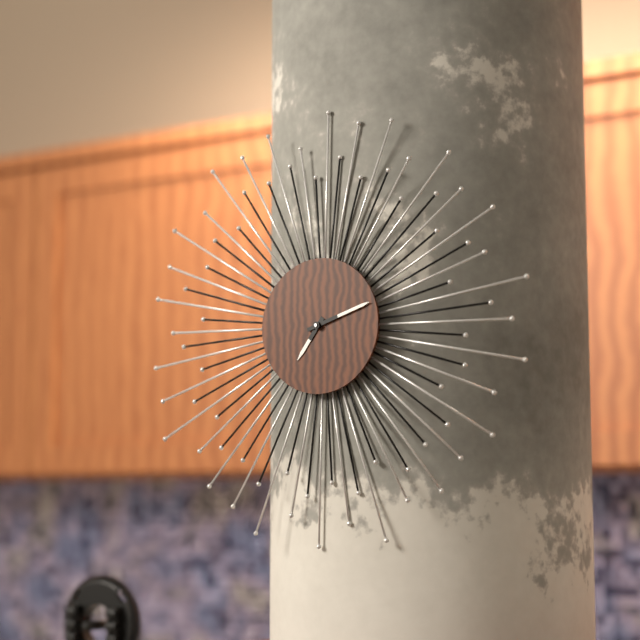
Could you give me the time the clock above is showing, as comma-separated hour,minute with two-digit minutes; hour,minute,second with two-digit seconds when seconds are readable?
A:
7,12
